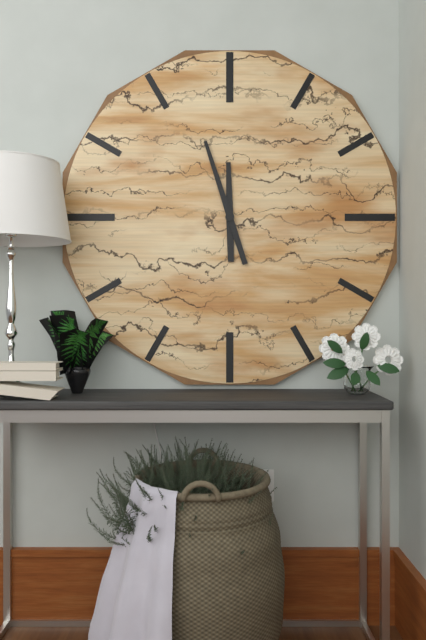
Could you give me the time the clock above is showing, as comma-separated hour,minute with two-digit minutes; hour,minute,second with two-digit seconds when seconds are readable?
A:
11,57
